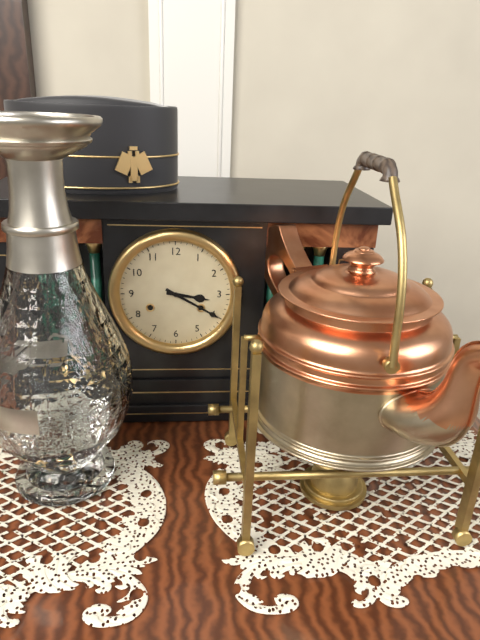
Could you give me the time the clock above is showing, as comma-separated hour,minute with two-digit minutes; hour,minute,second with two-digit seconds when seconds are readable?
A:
3,20
